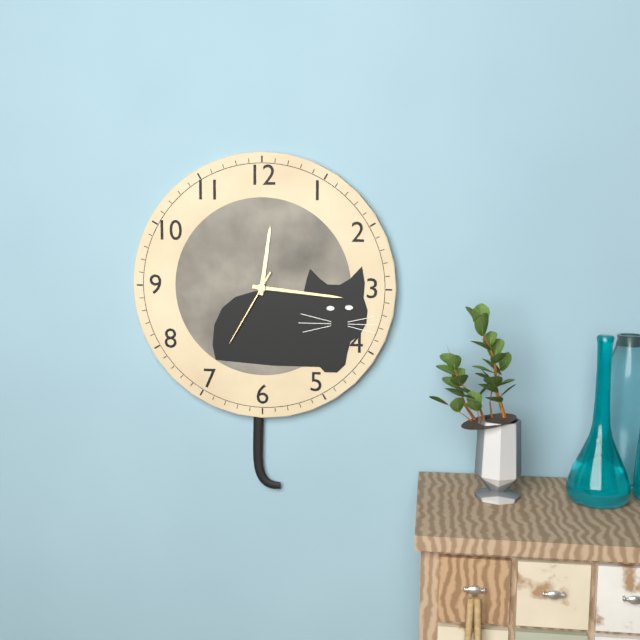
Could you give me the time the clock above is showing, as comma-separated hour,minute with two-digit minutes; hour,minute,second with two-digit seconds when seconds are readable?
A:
12,16,35
